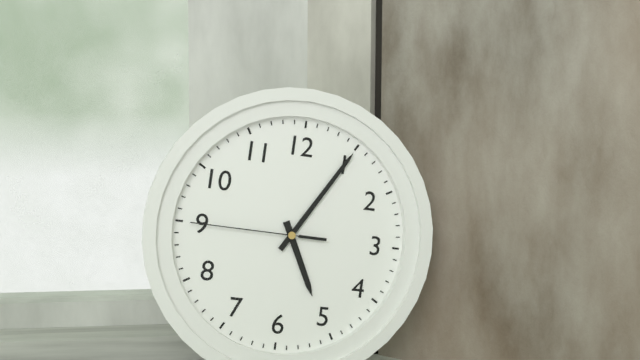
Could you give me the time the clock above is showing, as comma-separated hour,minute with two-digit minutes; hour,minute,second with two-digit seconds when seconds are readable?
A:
5,05,45
